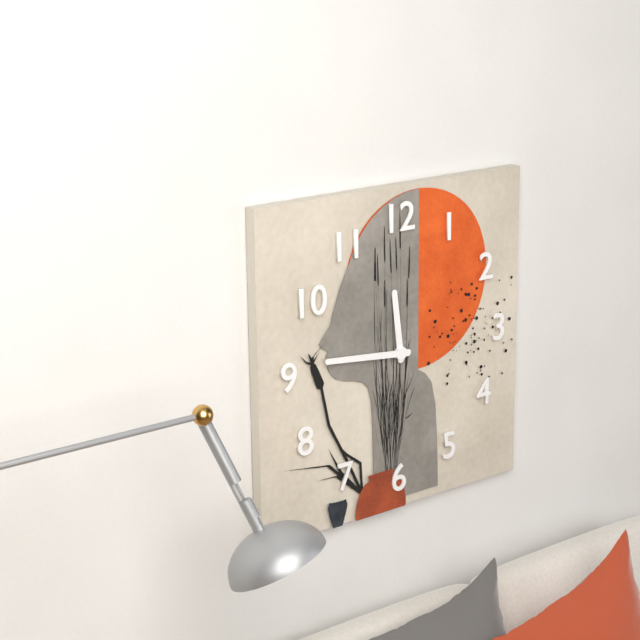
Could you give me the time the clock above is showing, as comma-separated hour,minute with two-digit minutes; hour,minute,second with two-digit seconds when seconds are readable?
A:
11,46
